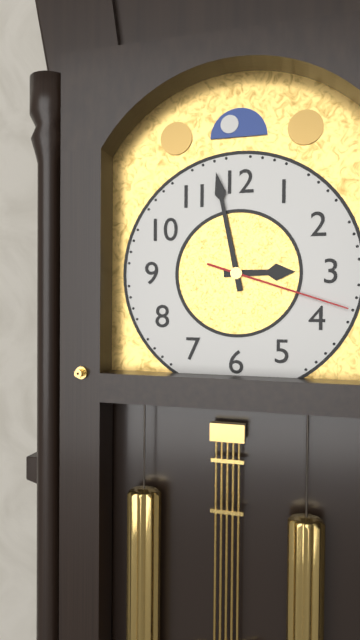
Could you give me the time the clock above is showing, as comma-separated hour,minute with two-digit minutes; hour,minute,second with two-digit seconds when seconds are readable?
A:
2,58,18
